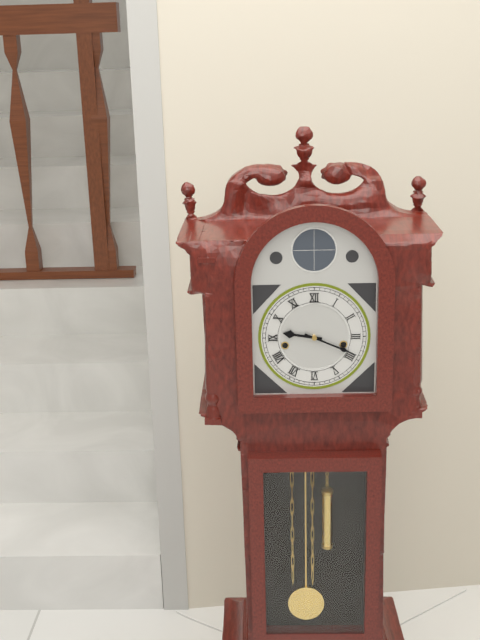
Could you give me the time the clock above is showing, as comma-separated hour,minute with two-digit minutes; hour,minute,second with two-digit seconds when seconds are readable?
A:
9,19
